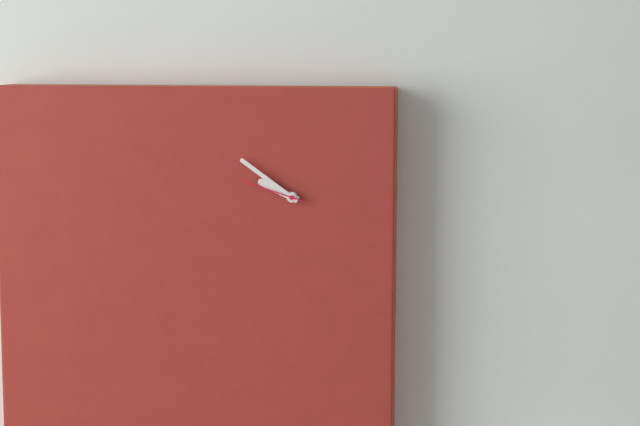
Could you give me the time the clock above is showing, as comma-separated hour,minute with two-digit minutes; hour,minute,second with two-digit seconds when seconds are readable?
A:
9,51,48
